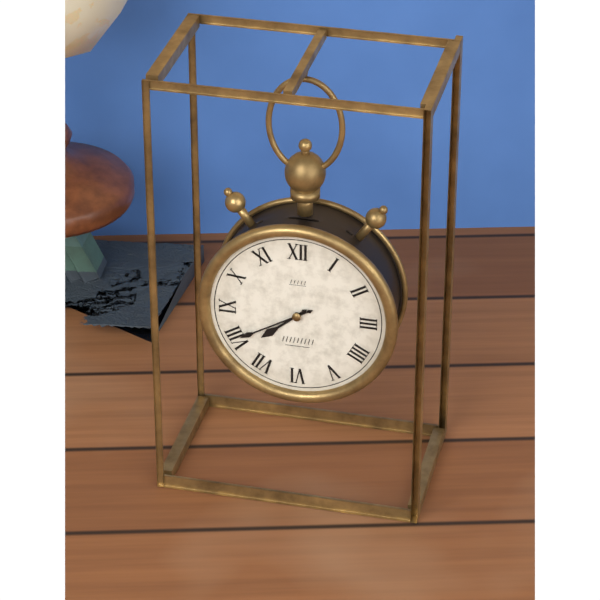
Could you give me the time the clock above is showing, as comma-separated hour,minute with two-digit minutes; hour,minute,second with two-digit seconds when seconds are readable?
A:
7,40
